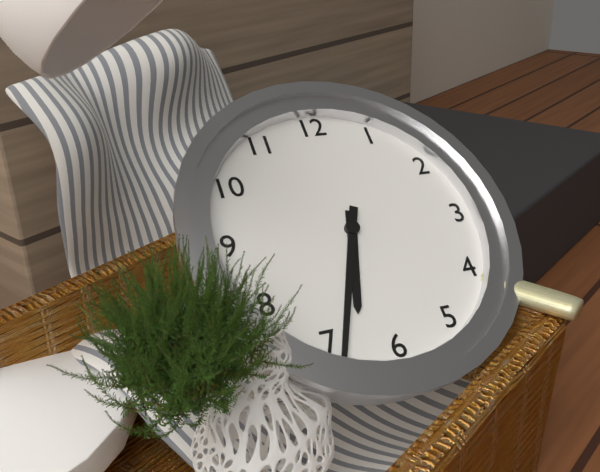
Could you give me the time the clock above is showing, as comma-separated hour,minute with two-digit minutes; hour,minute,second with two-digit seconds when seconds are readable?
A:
6,34
